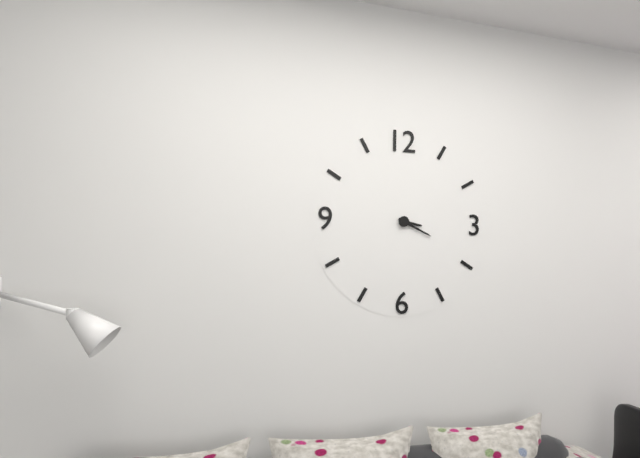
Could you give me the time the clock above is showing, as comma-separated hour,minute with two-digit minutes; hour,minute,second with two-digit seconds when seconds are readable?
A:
3,19
